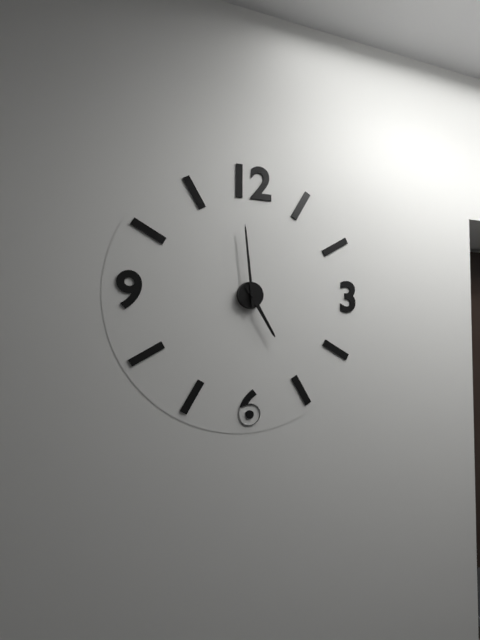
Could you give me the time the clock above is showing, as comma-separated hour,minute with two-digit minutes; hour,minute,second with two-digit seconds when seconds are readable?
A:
4,59
